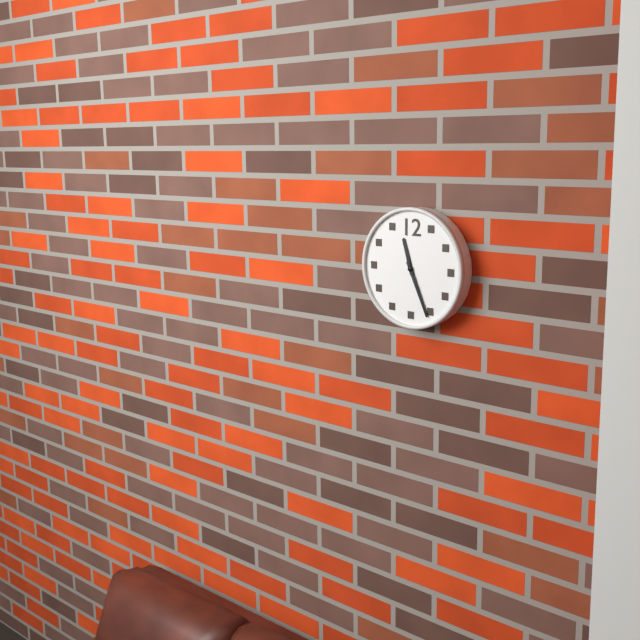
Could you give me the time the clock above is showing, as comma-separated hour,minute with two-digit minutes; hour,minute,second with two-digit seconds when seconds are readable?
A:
11,26
